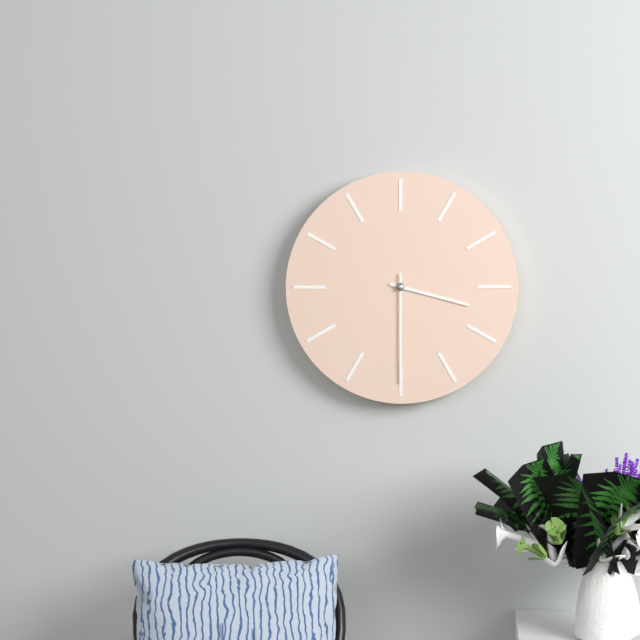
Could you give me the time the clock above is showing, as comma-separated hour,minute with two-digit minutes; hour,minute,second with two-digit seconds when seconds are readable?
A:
3,30
